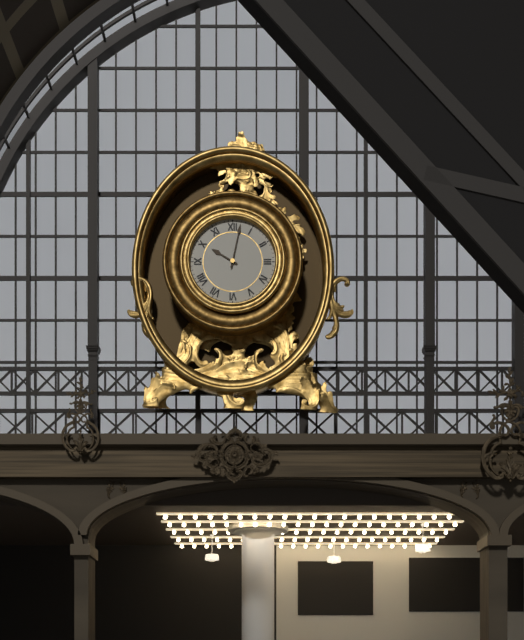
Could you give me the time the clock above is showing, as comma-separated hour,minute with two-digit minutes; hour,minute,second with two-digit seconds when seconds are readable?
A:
10,02
